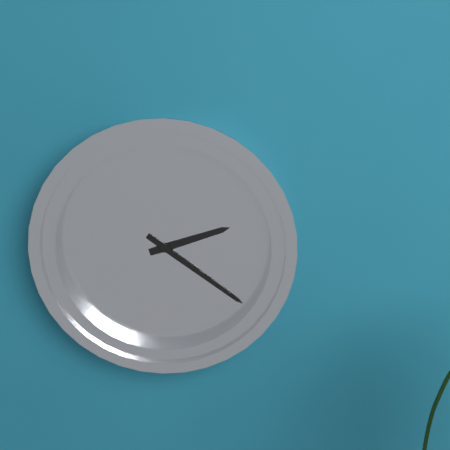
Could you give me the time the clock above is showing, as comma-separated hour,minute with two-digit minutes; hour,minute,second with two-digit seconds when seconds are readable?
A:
2,21
